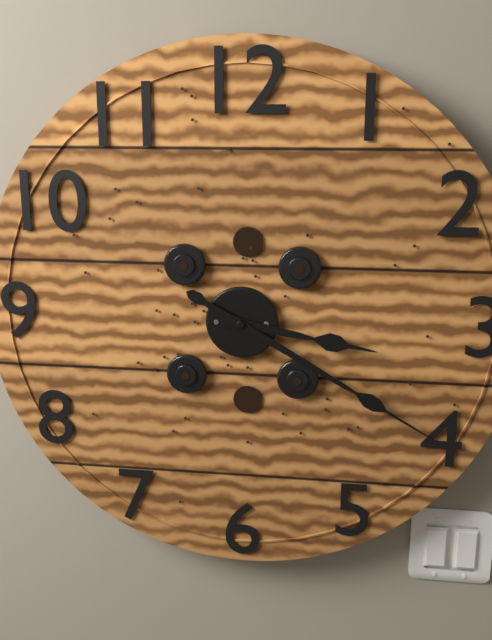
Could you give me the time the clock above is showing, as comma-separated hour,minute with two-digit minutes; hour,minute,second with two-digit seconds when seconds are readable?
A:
3,20
